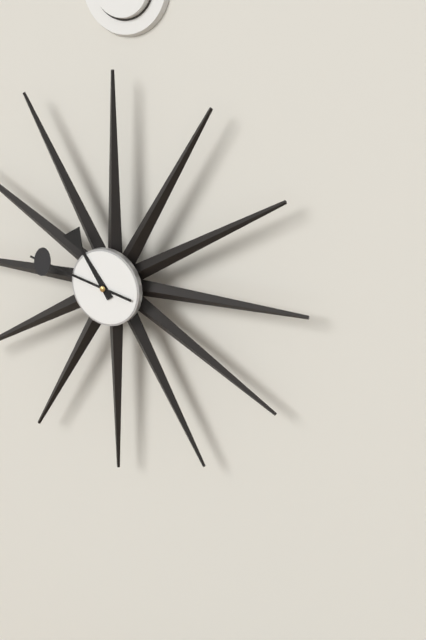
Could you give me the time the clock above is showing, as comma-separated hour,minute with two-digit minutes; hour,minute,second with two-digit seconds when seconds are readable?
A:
10,47
